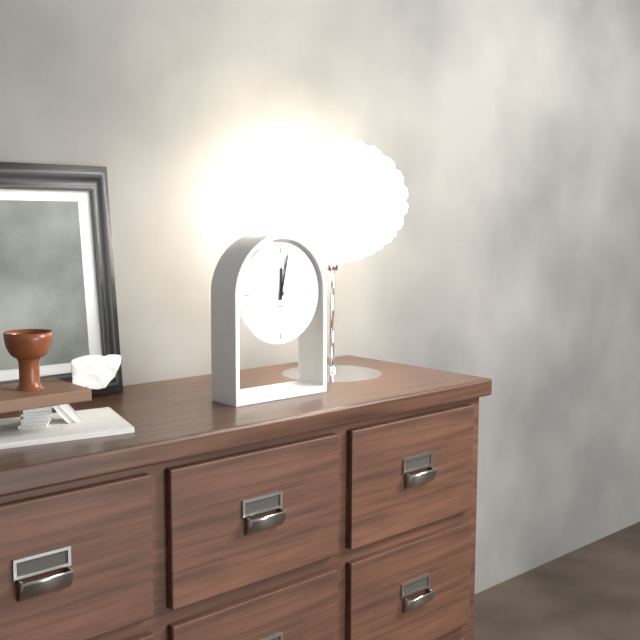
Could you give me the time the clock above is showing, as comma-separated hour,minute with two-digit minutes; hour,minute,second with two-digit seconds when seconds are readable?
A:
12,02
